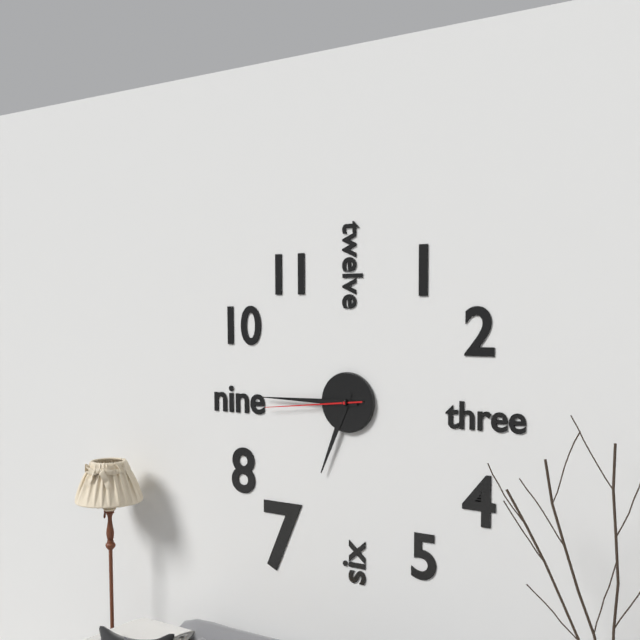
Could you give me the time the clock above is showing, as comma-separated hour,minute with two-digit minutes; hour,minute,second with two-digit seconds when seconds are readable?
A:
6,45,44
